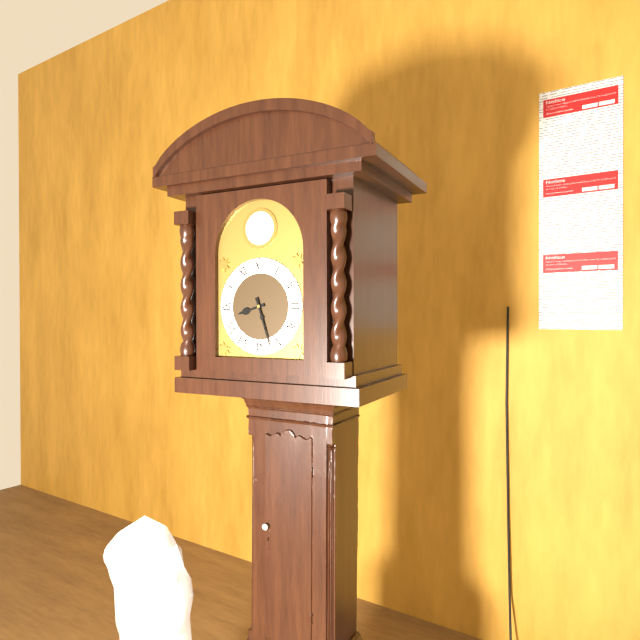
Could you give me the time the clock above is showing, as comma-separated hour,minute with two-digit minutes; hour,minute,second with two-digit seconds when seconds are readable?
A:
8,27
